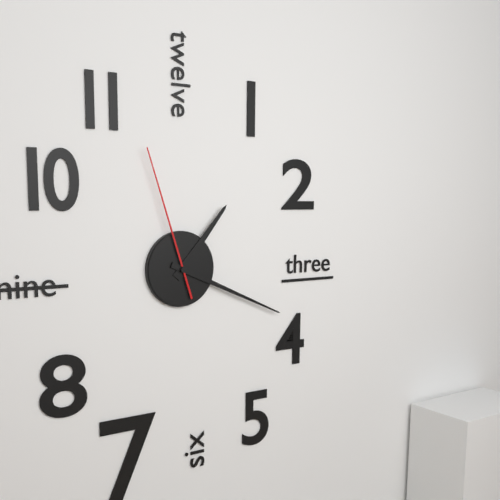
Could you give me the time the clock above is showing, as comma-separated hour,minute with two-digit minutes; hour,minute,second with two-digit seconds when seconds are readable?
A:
1,19,57
